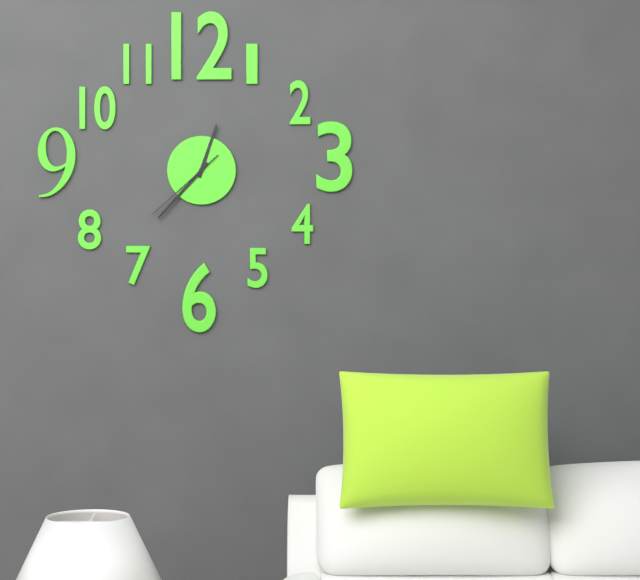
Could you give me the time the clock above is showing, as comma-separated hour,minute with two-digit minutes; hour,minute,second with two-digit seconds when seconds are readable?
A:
12,37,38
